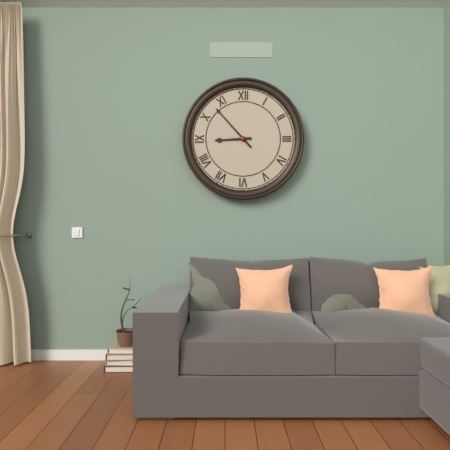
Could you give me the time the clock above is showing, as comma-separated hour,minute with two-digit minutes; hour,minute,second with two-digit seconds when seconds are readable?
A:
8,53
